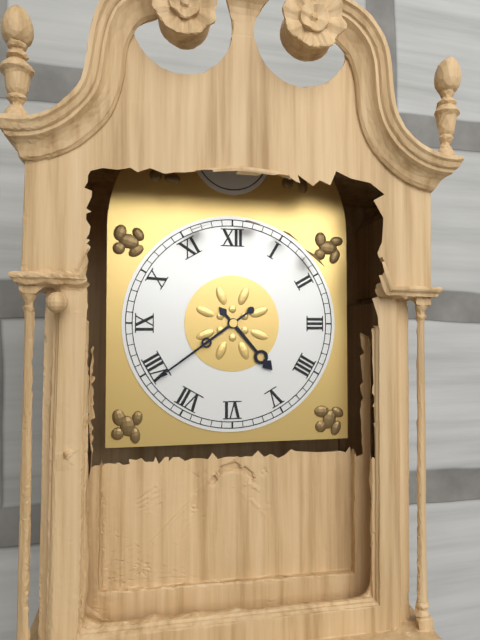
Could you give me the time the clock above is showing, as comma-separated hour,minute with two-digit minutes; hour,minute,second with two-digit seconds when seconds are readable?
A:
4,39
